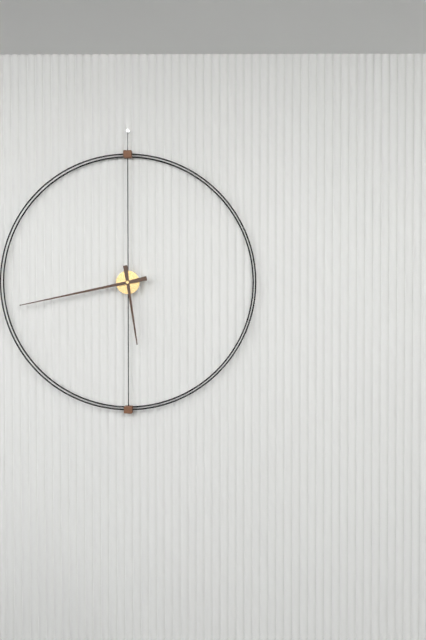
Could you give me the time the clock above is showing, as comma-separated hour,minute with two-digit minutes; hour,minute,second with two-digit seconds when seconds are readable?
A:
5,43
